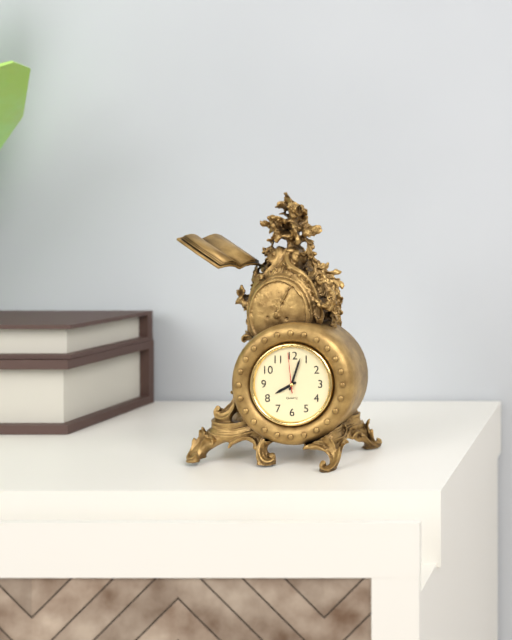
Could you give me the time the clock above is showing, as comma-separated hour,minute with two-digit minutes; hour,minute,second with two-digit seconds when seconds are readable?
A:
8,03
